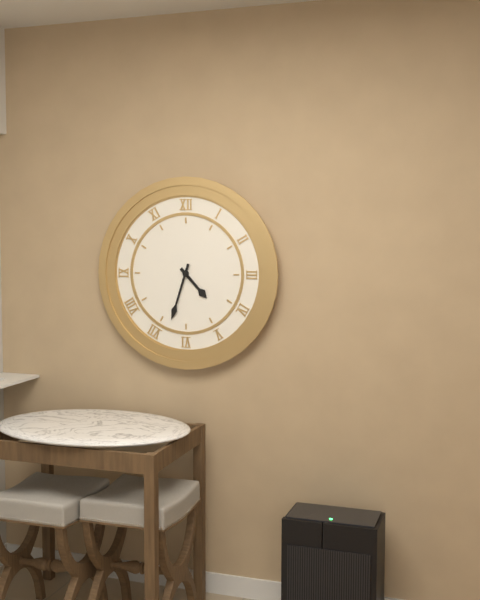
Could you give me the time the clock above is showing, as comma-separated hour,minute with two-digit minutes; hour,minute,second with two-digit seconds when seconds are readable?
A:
4,33
